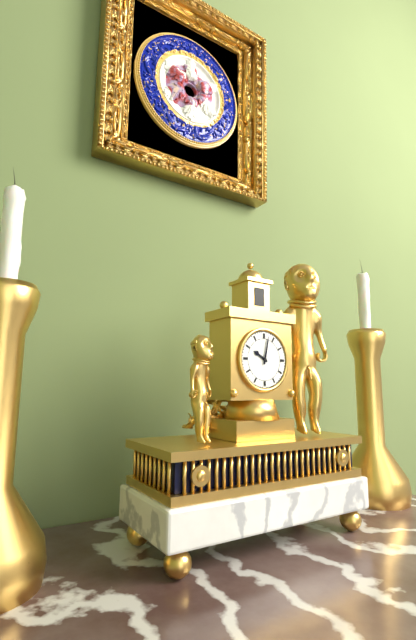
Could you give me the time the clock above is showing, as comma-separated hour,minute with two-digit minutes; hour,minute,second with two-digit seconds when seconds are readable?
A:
10,02
